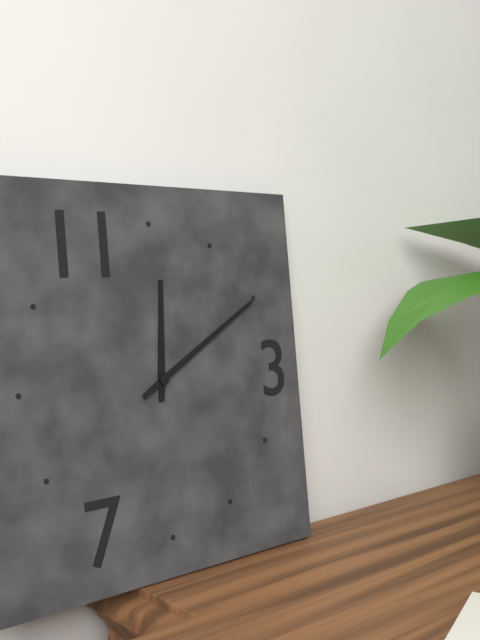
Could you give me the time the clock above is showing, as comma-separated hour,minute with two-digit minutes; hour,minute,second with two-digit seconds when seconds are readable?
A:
12,10
